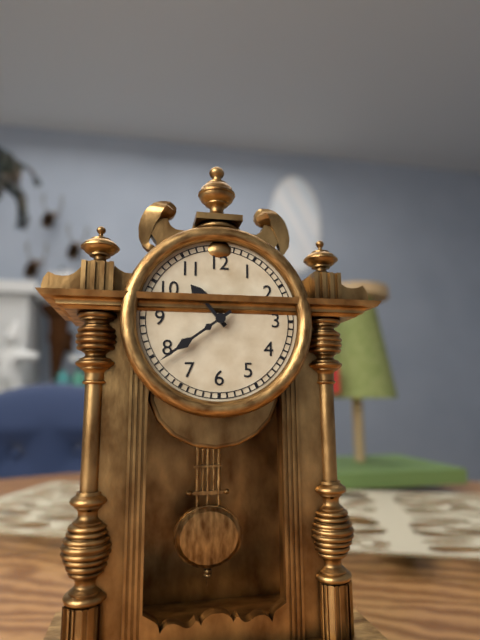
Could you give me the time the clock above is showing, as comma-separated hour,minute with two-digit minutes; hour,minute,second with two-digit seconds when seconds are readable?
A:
10,39
